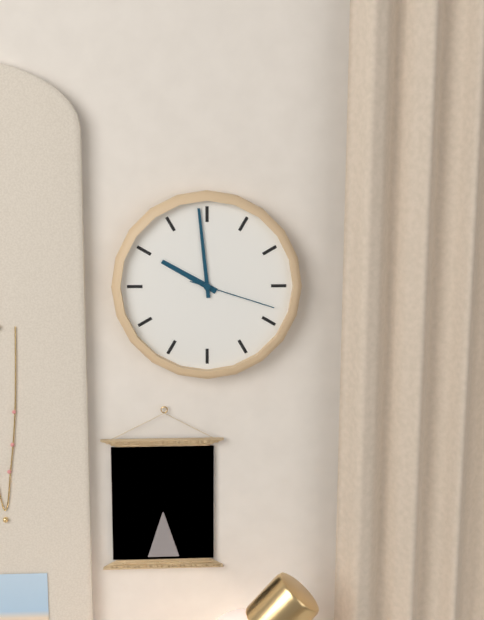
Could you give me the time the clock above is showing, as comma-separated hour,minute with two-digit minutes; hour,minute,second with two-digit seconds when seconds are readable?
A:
9,59,18
